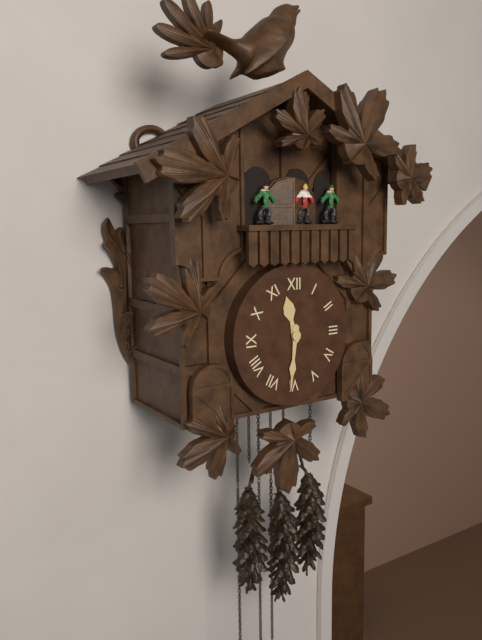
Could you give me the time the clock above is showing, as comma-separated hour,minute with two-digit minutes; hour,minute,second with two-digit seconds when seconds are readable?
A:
11,31
